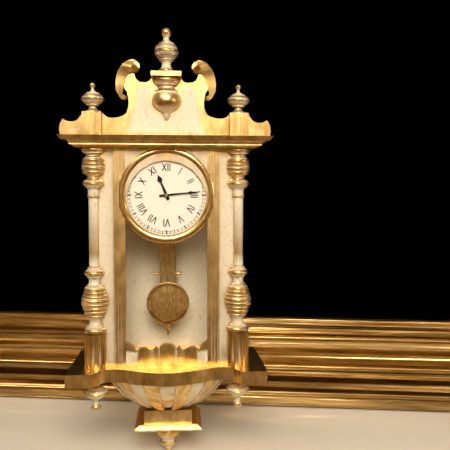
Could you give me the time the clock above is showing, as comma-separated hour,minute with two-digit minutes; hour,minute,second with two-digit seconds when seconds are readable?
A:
11,14
